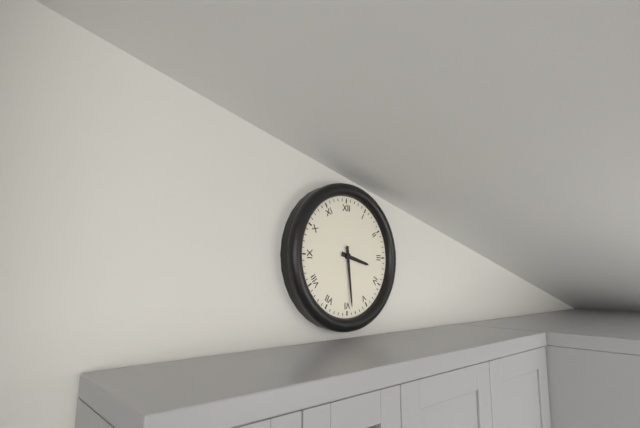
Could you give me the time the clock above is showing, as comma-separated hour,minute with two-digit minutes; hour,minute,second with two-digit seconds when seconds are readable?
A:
3,29
